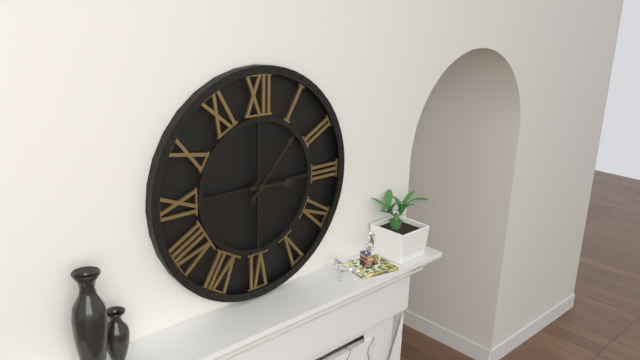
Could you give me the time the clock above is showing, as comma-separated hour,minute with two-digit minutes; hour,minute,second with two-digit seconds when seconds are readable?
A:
3,07
